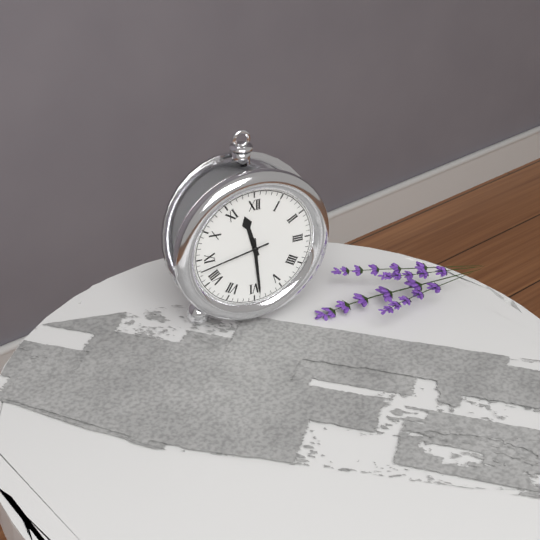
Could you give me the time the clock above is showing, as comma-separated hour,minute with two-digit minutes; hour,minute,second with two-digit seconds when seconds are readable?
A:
11,29,43
